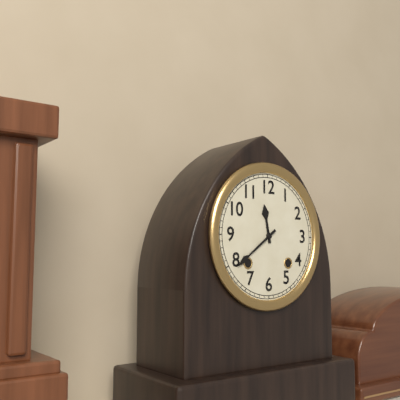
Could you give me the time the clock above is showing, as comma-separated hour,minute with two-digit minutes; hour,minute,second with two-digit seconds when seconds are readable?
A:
11,39
